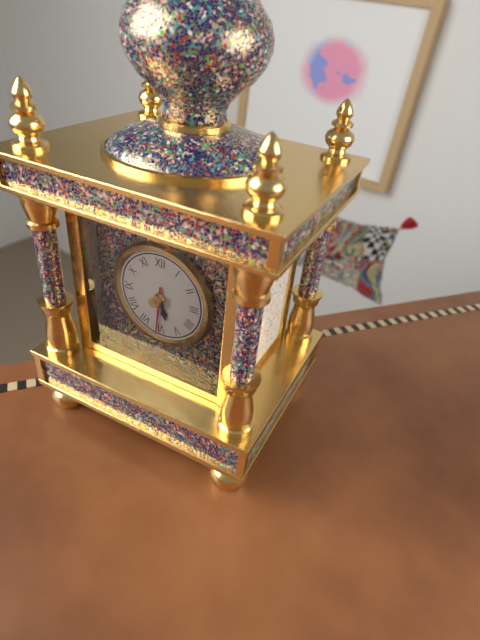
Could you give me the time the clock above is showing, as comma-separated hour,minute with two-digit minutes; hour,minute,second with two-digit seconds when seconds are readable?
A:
5,31
